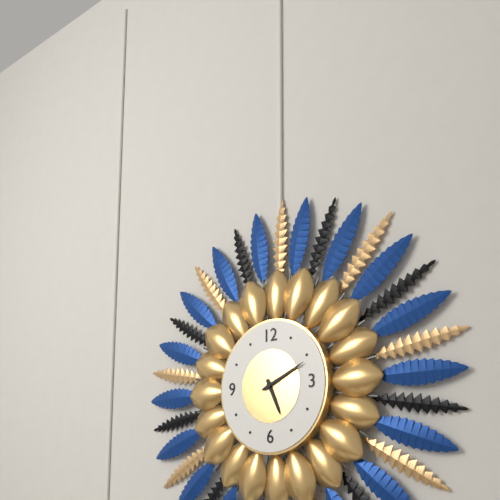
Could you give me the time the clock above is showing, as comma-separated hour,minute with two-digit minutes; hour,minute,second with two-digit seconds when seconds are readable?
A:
5,11
